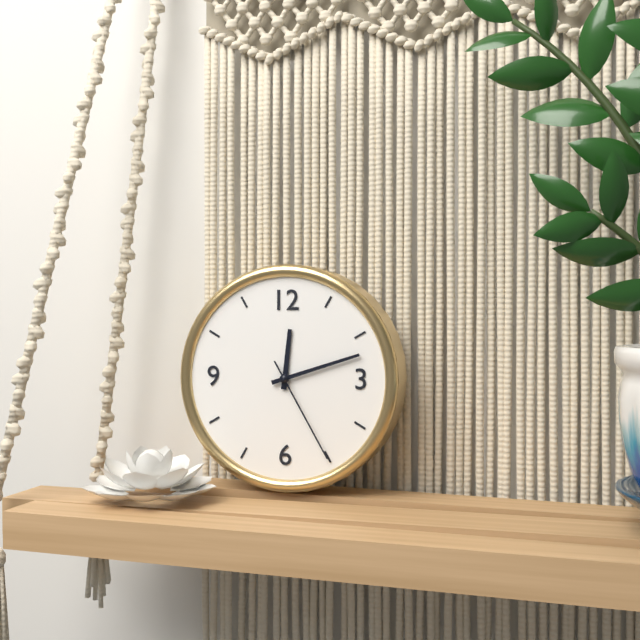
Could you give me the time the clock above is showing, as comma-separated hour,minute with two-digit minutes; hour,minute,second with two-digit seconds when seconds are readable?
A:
12,12,25
